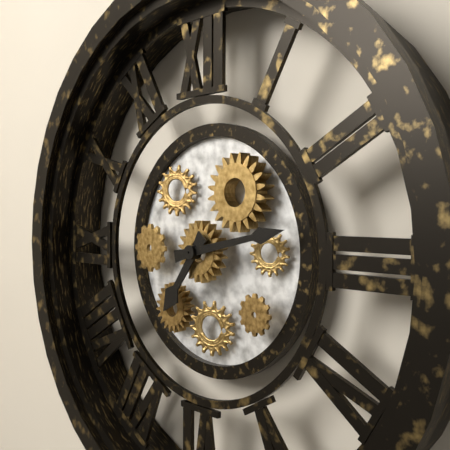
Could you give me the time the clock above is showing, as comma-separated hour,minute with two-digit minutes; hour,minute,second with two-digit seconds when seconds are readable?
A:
7,13
